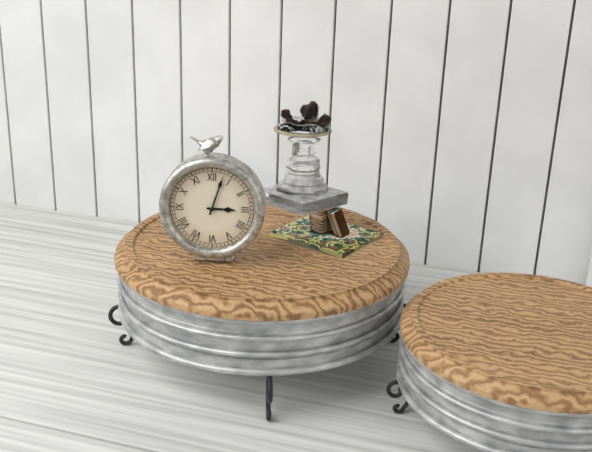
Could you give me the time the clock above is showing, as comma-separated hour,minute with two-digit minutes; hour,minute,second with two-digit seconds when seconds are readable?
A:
3,03
